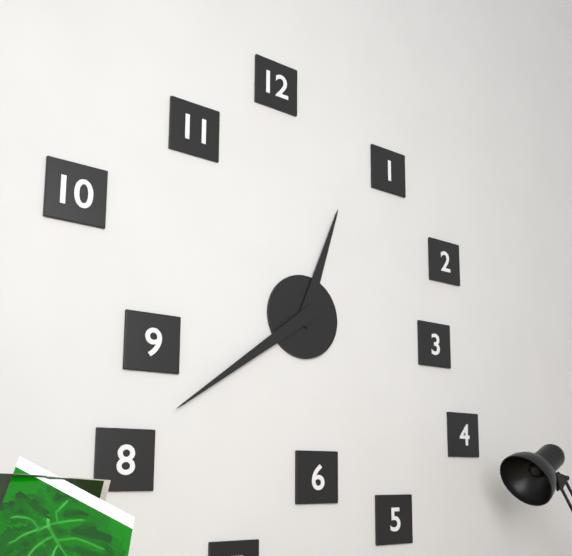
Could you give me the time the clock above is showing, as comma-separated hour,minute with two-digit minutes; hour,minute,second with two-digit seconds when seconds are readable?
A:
12,39
